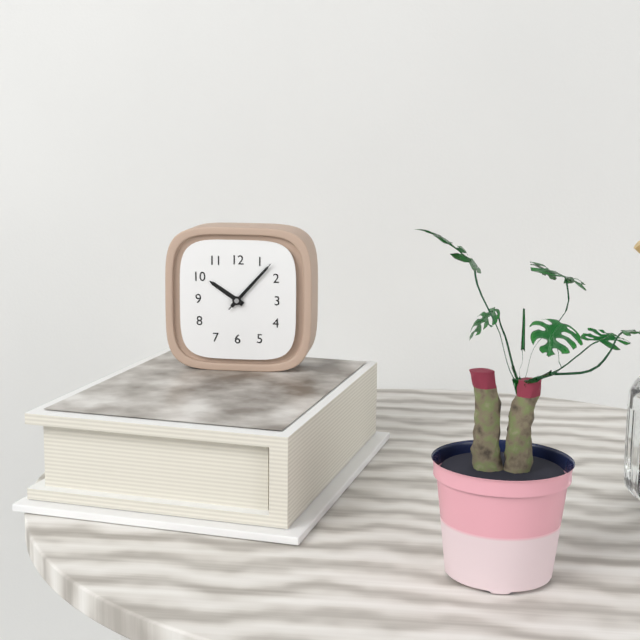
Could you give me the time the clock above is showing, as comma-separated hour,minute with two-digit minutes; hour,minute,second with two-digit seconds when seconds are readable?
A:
10,07,07
